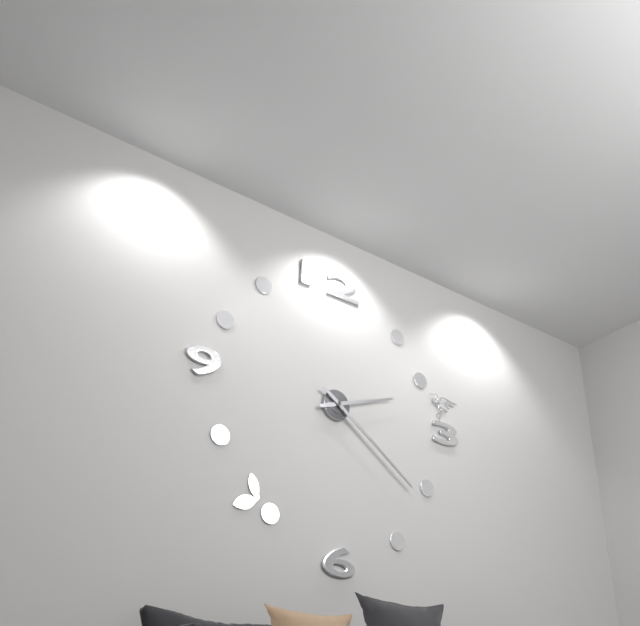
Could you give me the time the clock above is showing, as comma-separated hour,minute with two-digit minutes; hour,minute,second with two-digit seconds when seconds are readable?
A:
2,21
